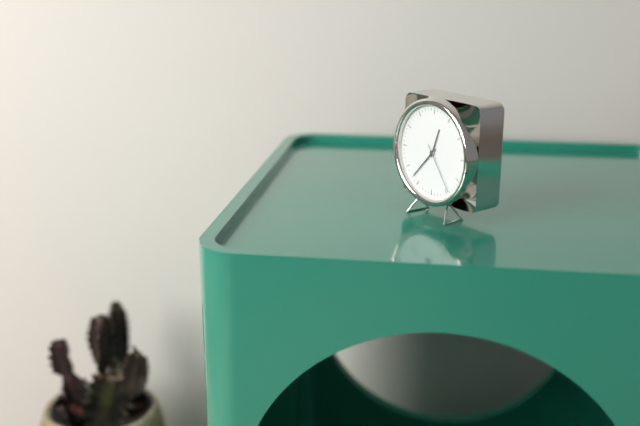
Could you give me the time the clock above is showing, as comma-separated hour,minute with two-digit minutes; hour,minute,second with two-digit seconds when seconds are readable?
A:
12,37,24
